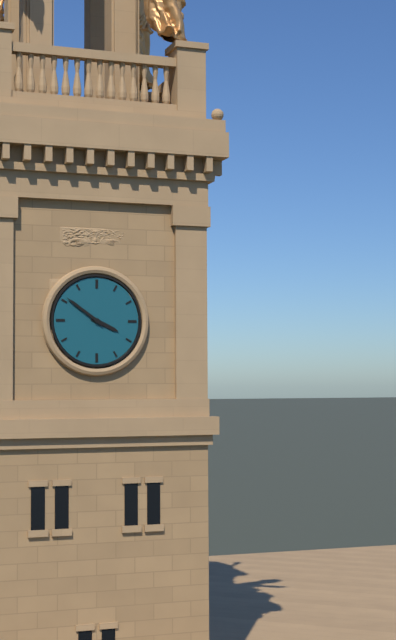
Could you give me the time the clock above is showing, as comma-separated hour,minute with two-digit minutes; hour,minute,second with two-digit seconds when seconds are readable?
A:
3,51
